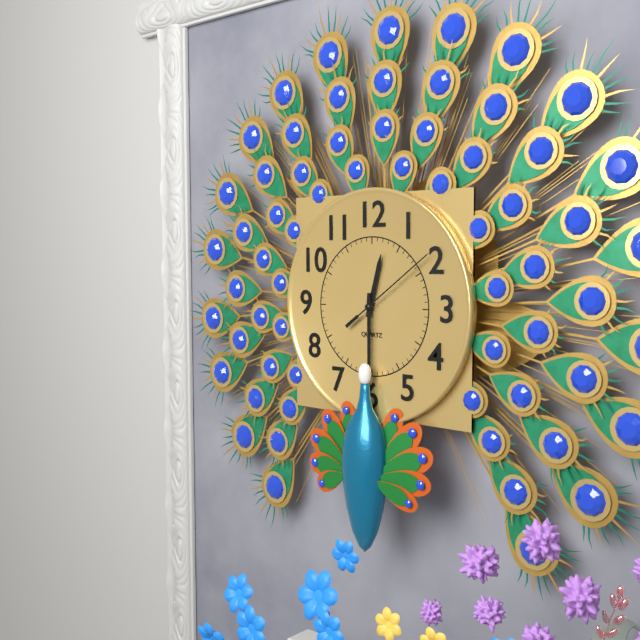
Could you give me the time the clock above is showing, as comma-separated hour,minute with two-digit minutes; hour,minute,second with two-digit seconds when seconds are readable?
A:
12,30,09
